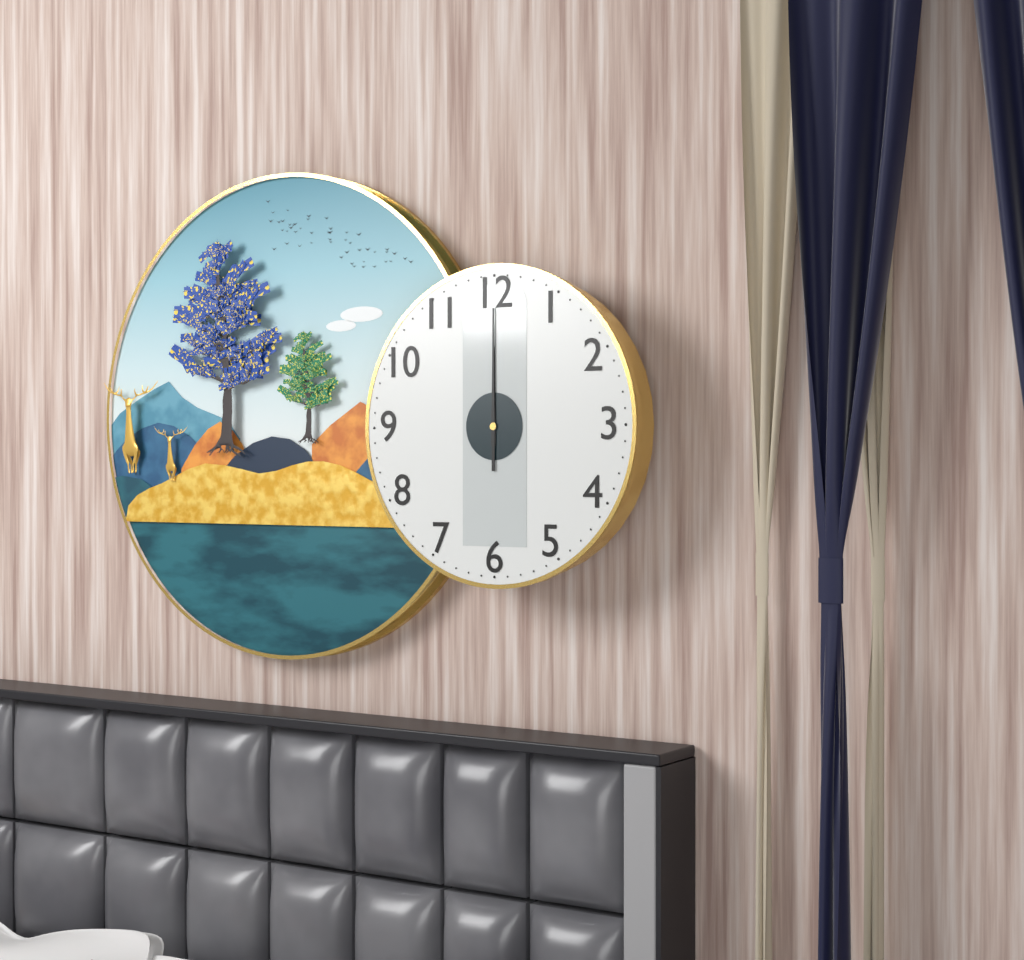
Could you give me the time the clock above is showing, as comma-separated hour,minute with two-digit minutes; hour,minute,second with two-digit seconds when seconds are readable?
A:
12,00
